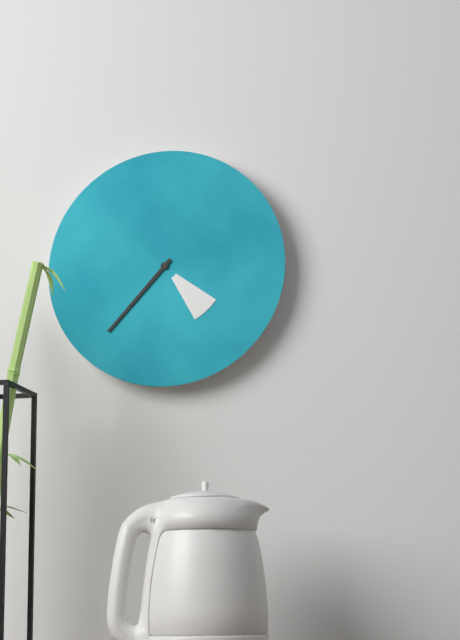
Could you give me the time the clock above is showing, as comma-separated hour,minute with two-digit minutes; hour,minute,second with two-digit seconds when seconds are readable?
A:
4,37
